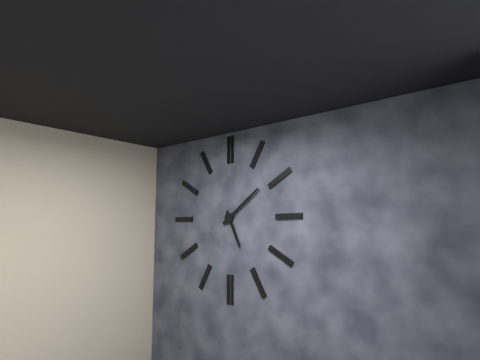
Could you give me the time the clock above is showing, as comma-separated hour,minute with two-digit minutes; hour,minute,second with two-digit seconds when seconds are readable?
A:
5,09
